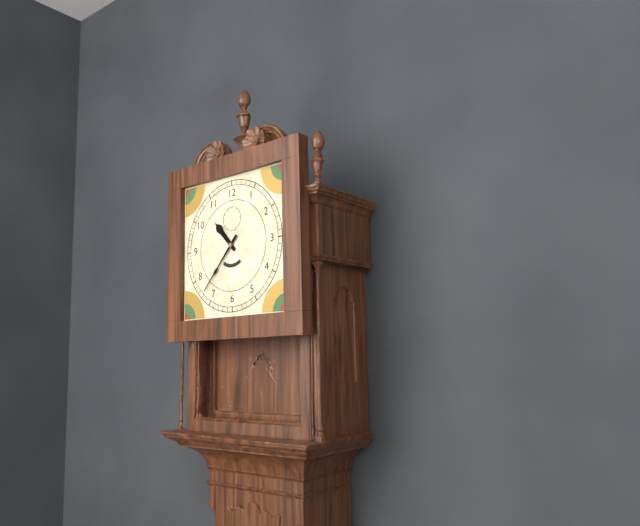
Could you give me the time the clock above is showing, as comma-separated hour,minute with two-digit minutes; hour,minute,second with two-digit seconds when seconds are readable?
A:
10,37
